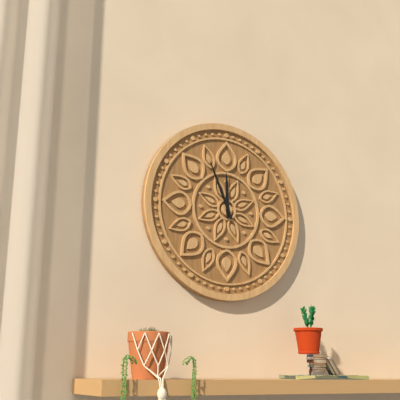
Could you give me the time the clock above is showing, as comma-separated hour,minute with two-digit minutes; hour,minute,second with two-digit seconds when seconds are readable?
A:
11,56
